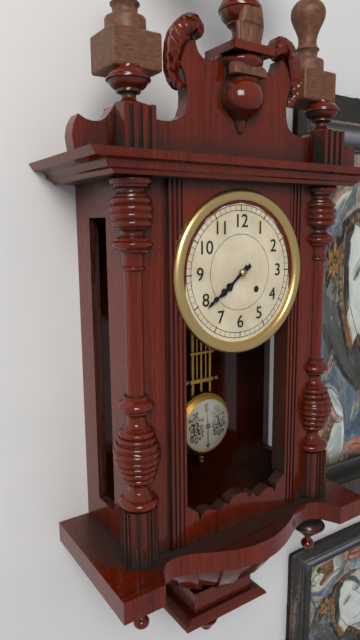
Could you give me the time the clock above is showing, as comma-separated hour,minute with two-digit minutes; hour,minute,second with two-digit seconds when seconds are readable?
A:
7,39
